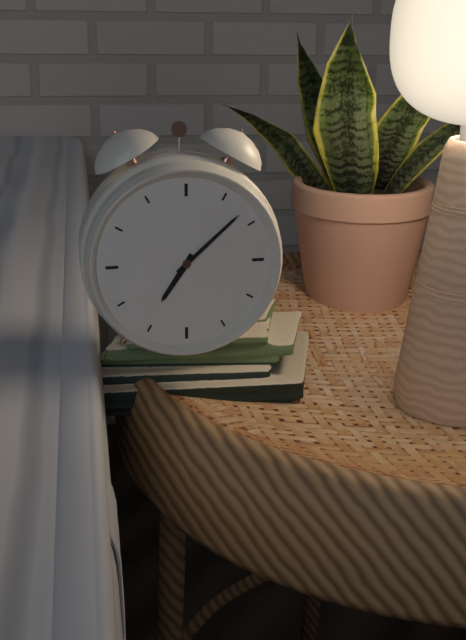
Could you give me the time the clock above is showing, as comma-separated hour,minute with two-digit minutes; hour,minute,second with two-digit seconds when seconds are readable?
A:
7,08
